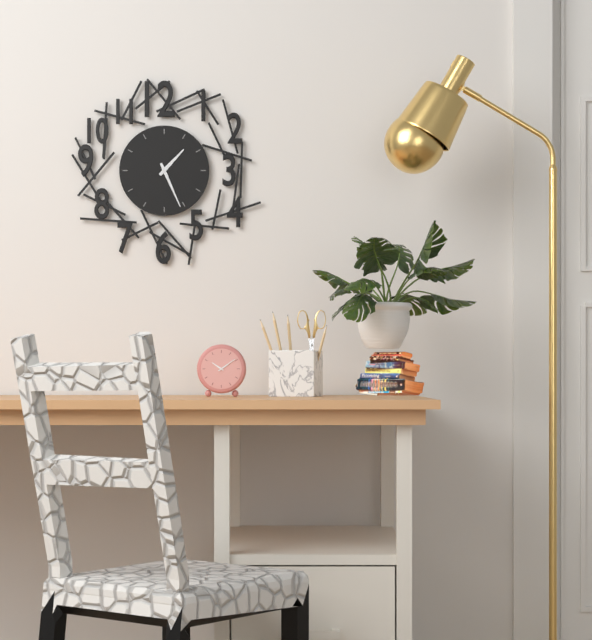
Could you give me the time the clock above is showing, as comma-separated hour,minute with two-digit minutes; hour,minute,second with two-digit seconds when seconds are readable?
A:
1,26
